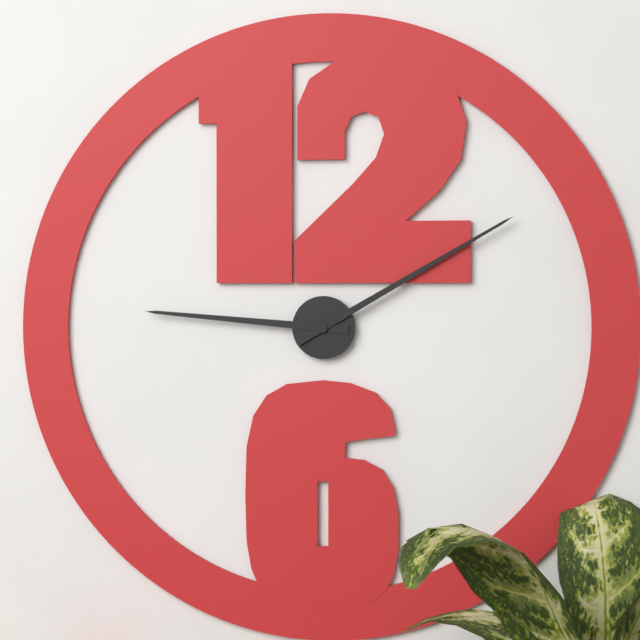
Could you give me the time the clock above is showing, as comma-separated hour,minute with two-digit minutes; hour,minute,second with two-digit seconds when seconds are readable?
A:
9,10
